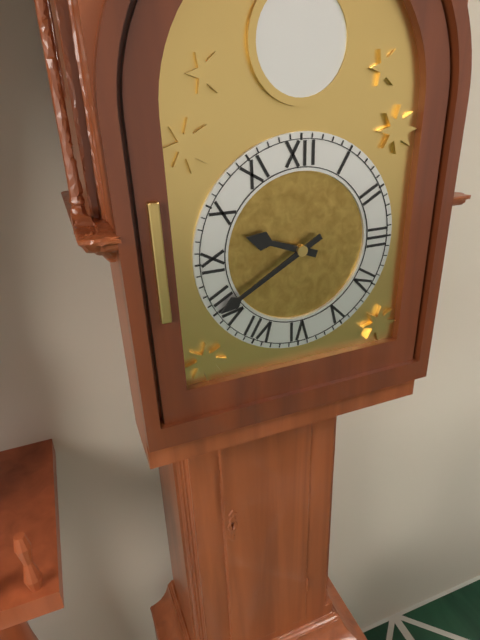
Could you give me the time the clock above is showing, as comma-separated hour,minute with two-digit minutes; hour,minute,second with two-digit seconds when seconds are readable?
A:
9,40
